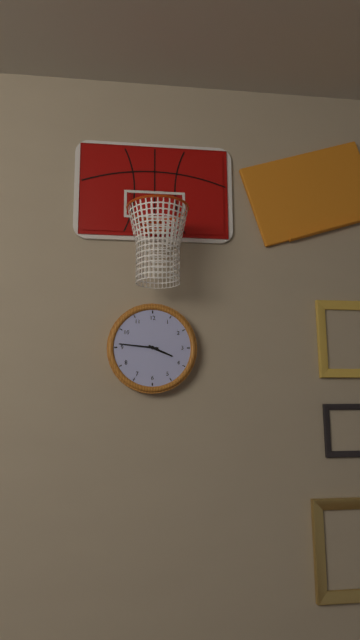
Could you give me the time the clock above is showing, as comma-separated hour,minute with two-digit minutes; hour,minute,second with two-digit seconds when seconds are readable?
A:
3,46
